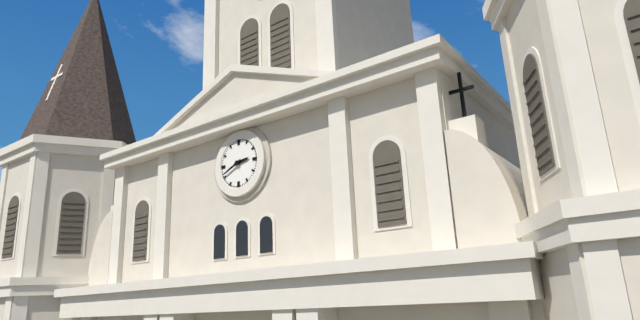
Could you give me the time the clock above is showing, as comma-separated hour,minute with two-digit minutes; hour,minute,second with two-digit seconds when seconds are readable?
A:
2,41
